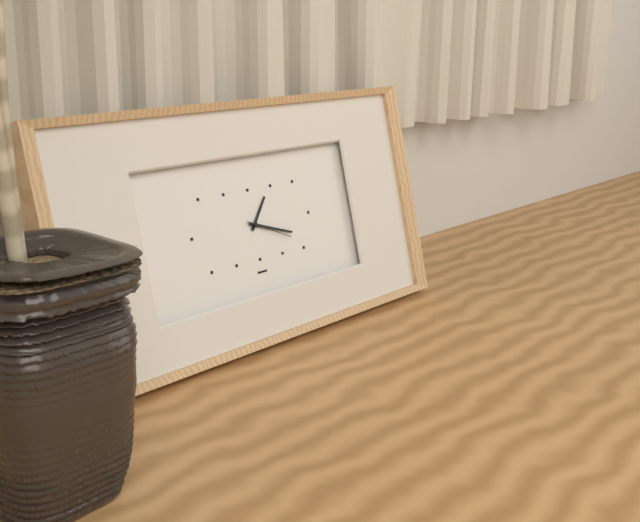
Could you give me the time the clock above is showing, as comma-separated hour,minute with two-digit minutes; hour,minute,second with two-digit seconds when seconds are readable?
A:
1,18
